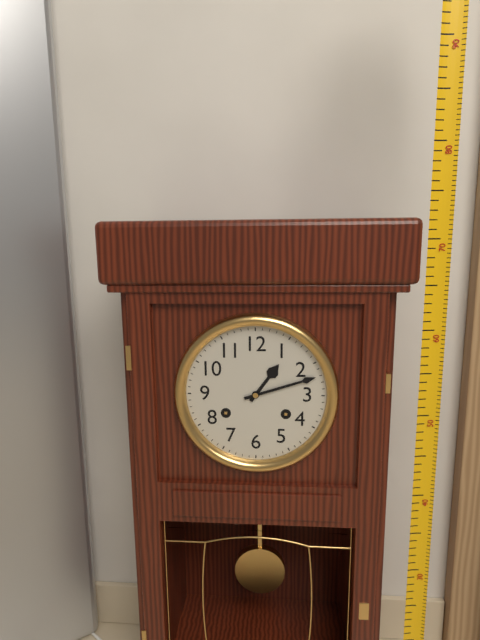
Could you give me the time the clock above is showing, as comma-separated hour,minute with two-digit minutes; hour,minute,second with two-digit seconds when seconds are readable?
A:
1,12
